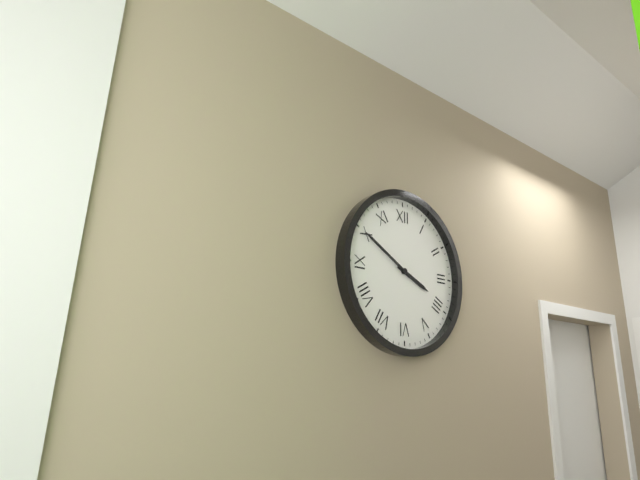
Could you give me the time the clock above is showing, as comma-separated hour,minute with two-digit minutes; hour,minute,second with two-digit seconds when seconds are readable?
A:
3,50
